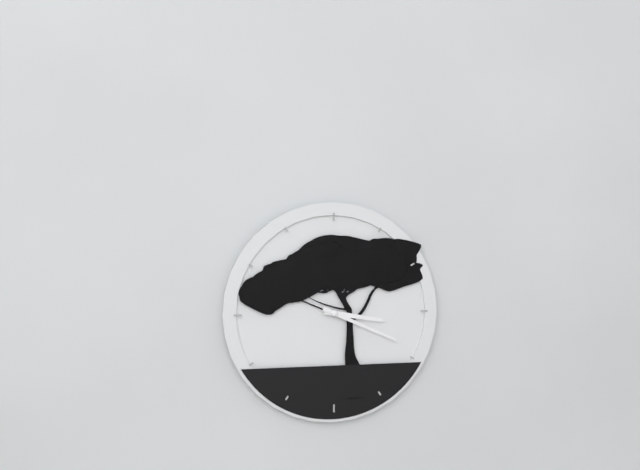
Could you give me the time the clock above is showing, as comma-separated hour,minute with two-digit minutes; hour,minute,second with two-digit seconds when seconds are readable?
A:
3,19
